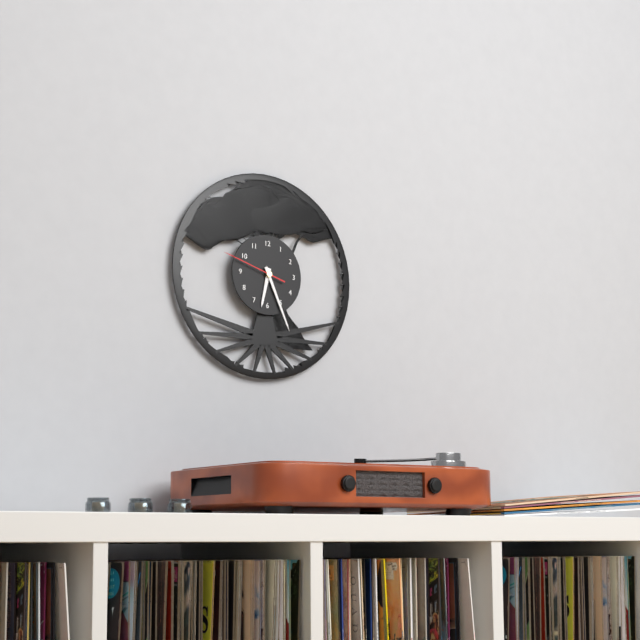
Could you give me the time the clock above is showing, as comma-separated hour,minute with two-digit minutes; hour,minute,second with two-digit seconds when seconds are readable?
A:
6,26,48
